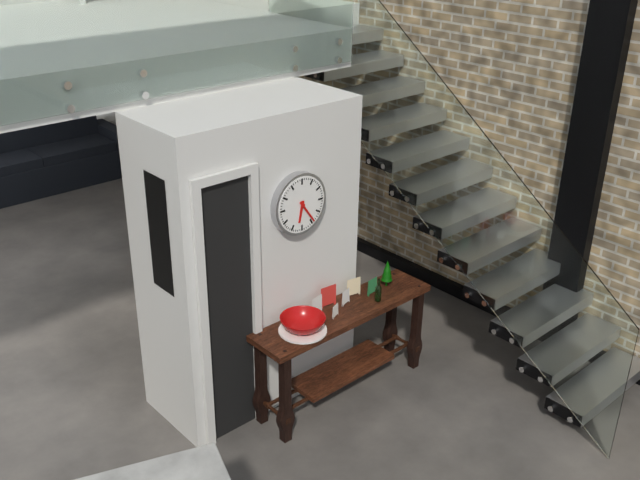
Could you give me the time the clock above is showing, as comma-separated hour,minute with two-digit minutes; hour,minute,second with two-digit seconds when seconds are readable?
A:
6,24
